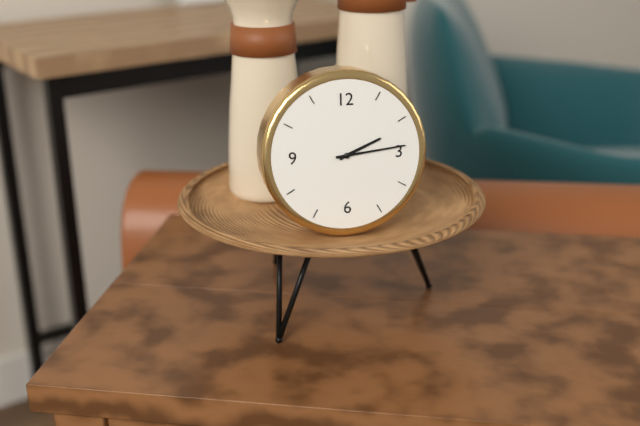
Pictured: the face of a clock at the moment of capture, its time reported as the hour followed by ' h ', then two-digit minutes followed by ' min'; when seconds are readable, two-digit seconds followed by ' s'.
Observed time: 2 h 14 min
